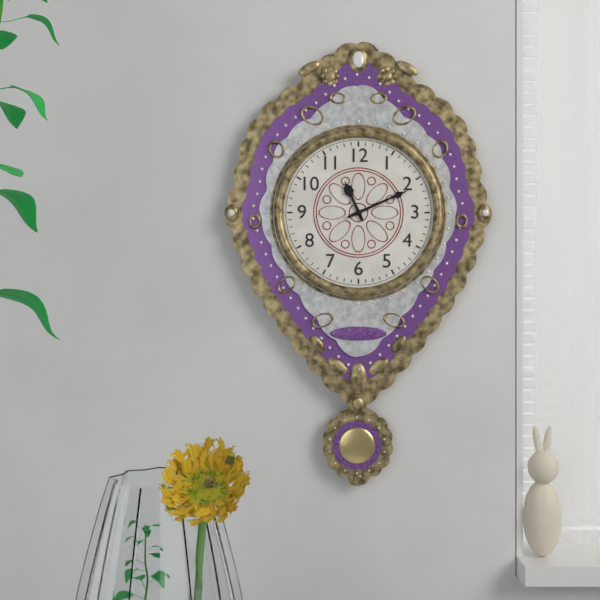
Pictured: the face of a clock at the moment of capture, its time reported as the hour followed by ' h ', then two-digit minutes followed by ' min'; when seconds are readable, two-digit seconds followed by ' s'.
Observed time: 11 h 11 min
